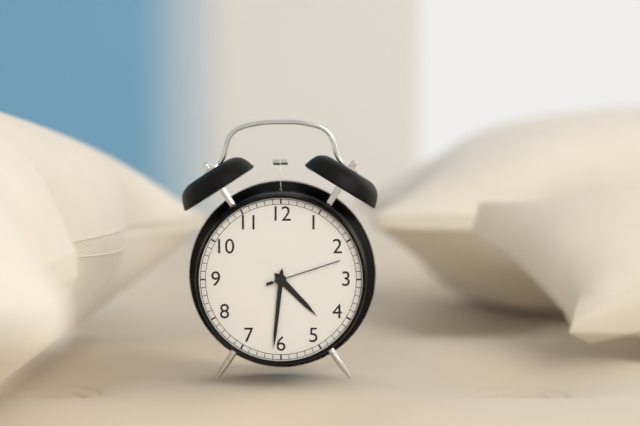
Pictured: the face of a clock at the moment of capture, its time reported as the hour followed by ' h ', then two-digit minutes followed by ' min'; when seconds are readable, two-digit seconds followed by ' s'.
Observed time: 4 h 31 min 12 s
